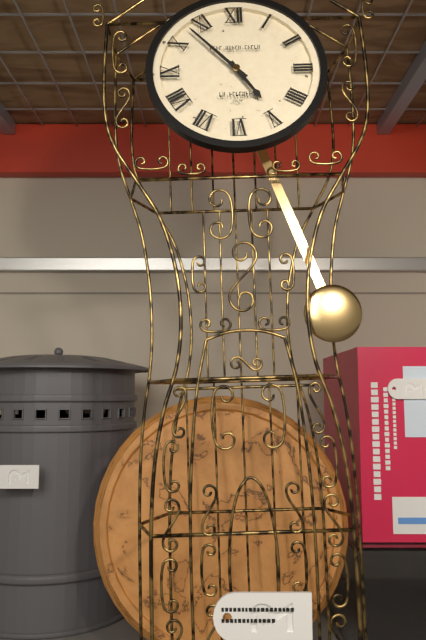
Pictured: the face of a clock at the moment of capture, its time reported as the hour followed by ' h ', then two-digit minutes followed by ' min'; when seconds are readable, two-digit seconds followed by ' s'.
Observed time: 4 h 53 min
